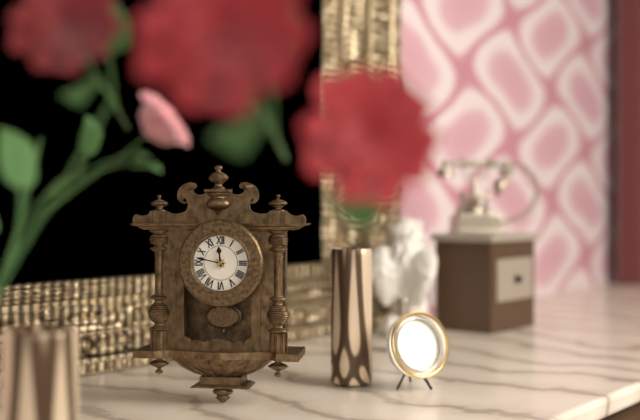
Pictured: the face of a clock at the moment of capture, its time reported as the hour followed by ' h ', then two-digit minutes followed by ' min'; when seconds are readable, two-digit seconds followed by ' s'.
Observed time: 11 h 47 min
